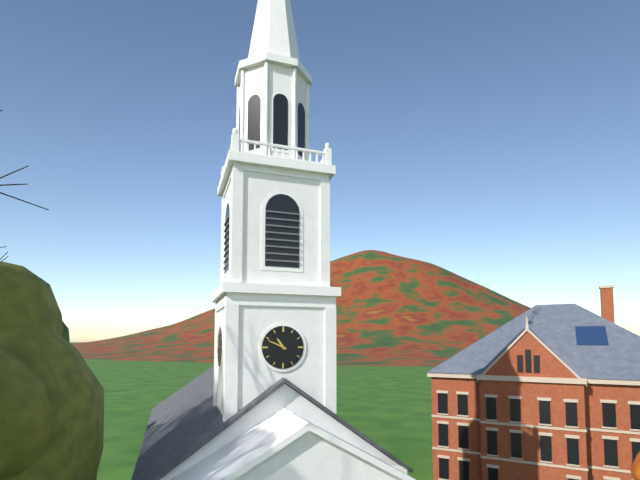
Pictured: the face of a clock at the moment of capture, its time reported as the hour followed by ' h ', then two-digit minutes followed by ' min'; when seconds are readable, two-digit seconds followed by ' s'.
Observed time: 10 h 49 min
